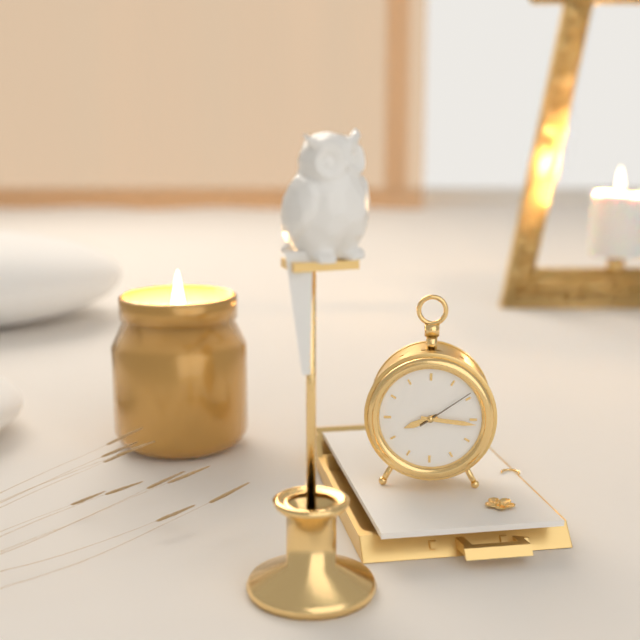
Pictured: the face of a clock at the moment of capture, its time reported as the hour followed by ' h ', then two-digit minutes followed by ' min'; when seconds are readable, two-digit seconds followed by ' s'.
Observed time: 8 h 16 min 09 s
